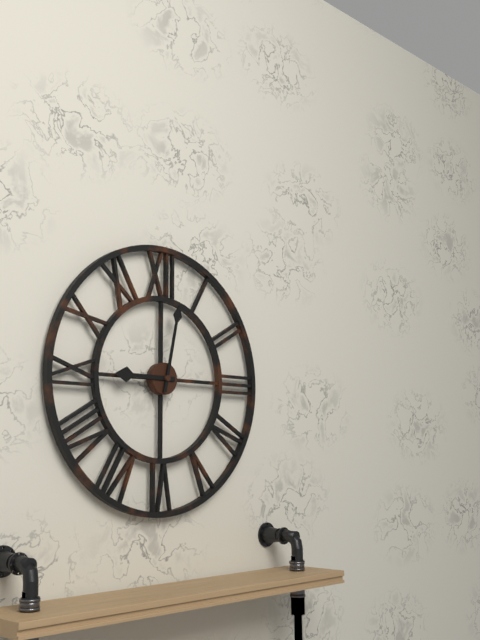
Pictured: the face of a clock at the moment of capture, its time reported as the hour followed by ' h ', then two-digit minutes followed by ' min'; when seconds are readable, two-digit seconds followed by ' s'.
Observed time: 9 h 02 min
